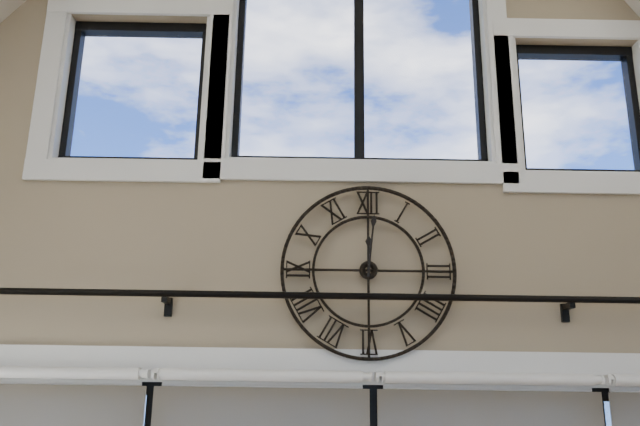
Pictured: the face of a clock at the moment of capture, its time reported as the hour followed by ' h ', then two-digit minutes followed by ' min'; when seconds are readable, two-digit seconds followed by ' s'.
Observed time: 12 h 01 min
